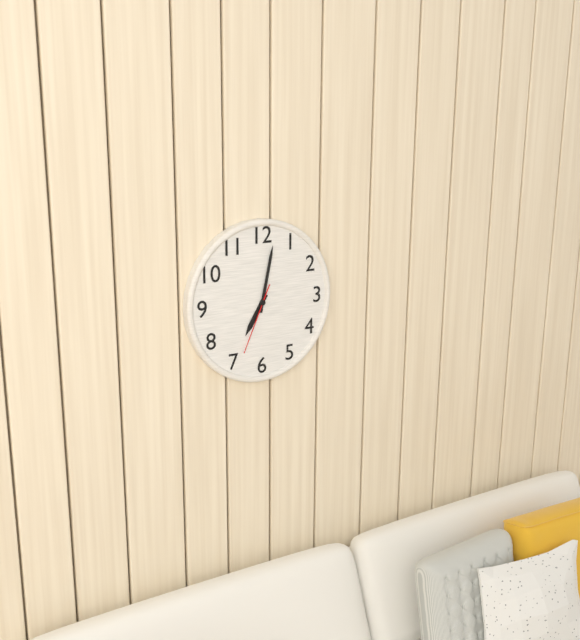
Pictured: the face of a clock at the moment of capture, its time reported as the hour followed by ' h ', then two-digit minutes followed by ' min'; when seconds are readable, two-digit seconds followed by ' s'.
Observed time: 7 h 02 min 34 s
